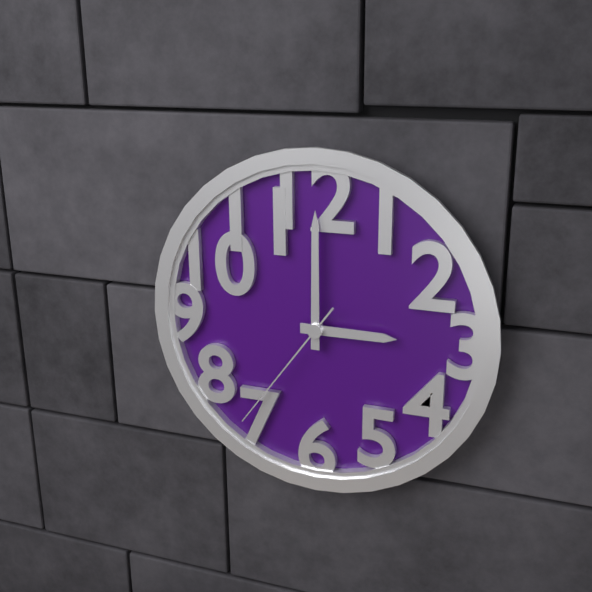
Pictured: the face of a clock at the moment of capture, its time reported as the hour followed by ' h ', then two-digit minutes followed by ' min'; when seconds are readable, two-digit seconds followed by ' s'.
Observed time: 3 h 00 min 36 s
